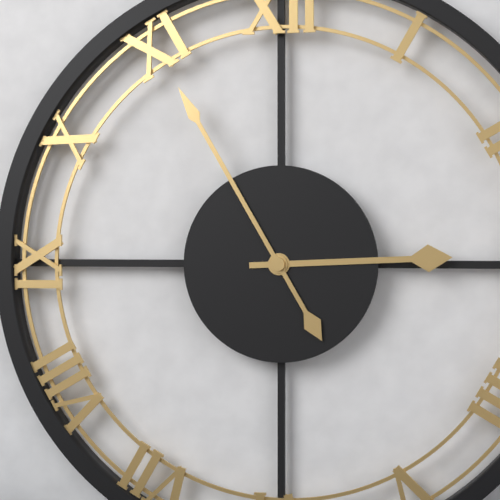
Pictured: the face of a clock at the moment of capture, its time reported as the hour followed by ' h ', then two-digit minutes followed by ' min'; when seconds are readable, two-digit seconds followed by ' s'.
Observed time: 2 h 55 min
